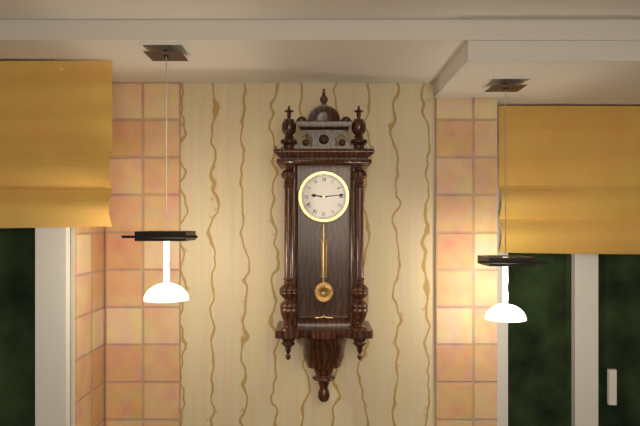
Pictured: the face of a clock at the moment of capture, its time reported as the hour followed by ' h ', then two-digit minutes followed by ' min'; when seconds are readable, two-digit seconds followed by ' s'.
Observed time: 9 h 14 min
